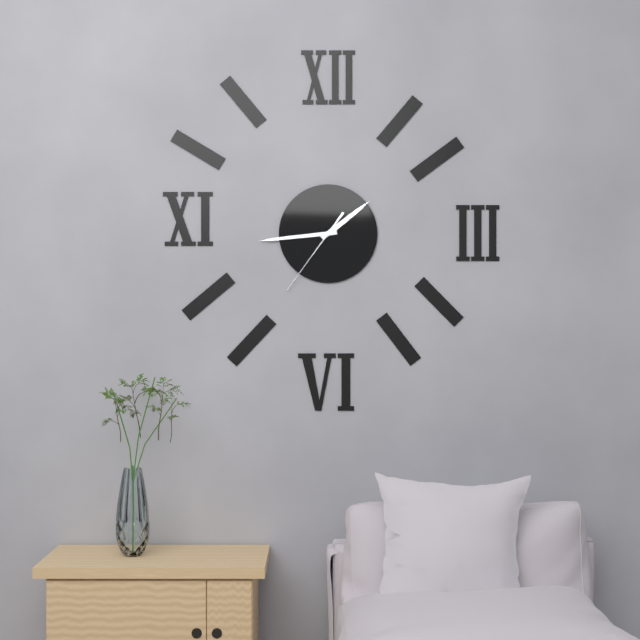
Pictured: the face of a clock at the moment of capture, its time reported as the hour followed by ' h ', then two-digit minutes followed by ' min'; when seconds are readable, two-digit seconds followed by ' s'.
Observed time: 1 h 44 min 36 s
